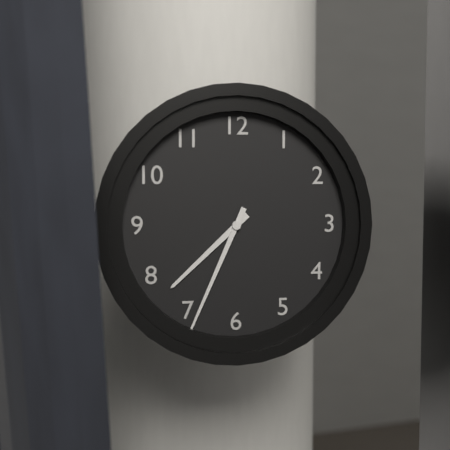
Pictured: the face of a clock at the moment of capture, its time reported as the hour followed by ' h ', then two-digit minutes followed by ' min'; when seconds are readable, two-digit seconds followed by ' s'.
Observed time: 7 h 34 min
